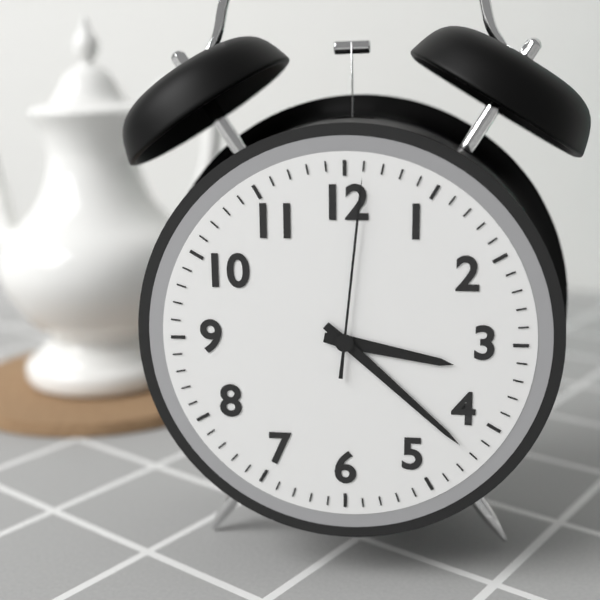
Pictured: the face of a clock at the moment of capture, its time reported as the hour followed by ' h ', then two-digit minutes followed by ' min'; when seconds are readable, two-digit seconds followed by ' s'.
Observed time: 3 h 22 min 01 s
